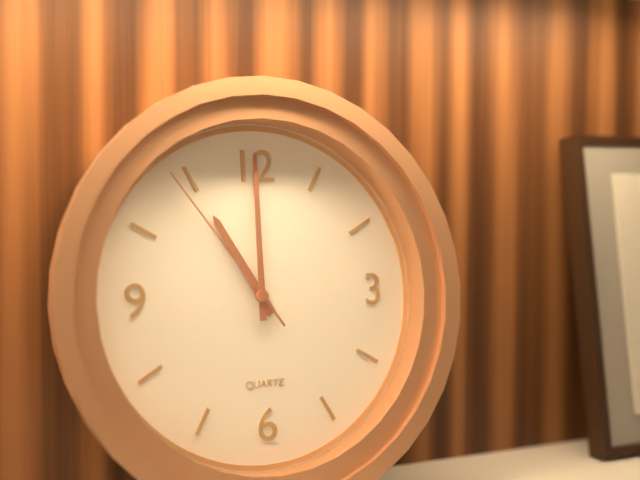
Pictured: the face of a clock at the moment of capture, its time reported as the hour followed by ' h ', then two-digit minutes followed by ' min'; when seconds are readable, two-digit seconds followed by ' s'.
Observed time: 11 h 00 min 54 s
